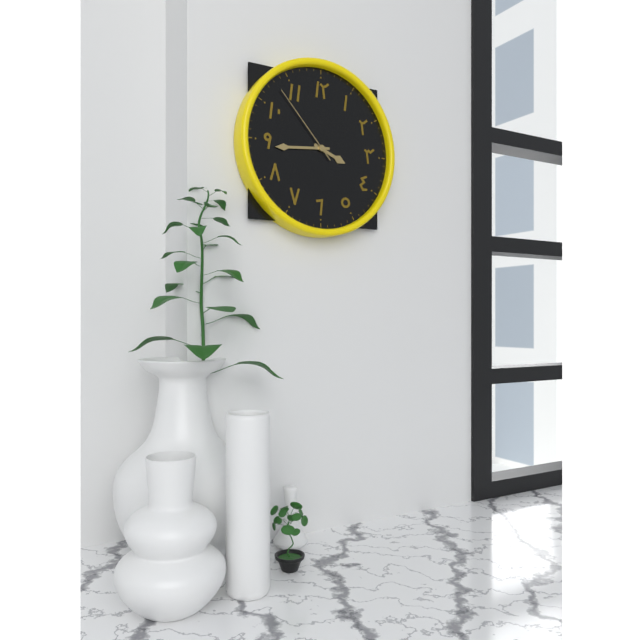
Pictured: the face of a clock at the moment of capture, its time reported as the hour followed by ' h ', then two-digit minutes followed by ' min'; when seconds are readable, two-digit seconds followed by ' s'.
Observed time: 3 h 44 min 53 s
